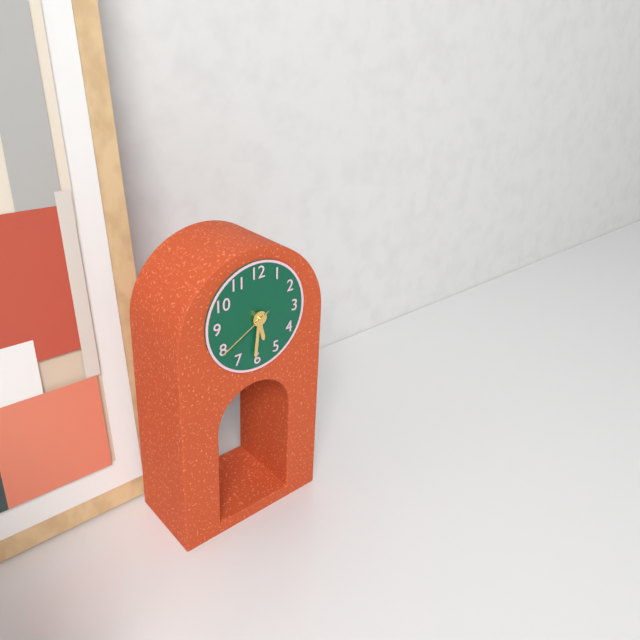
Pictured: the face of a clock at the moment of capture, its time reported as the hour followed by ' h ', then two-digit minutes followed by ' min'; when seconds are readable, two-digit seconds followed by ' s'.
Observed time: 5 h 31 min 40 s
